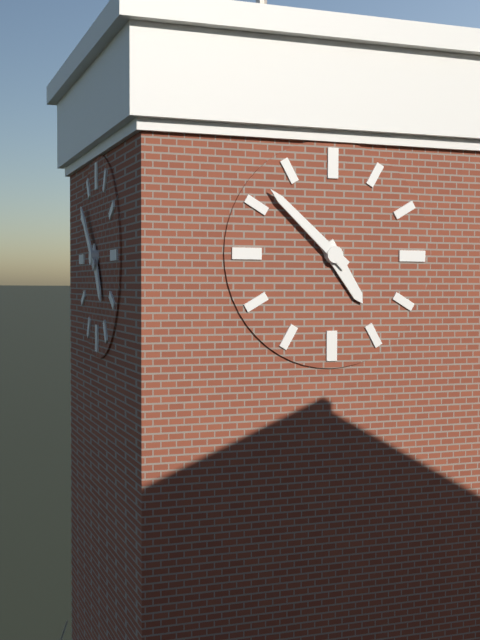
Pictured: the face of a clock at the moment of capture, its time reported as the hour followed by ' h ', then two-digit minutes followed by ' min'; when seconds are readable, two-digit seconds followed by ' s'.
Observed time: 4 h 52 min
